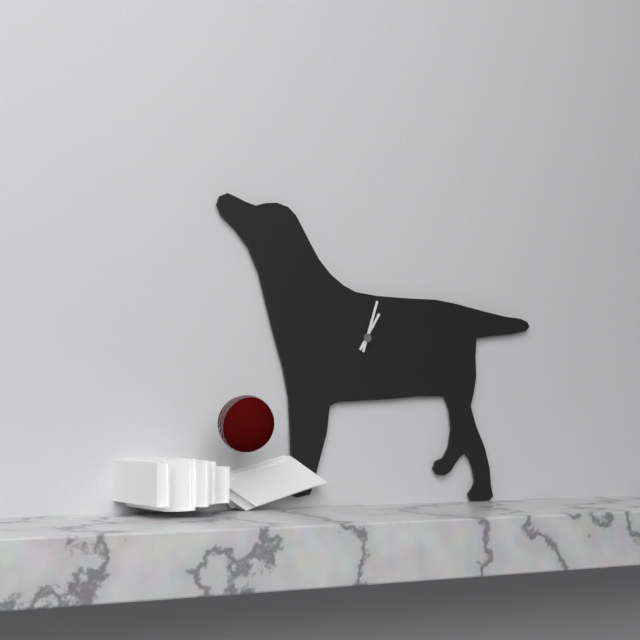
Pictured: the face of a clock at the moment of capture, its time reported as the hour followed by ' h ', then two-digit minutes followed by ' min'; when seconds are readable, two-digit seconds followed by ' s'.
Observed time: 1 h 03 min
